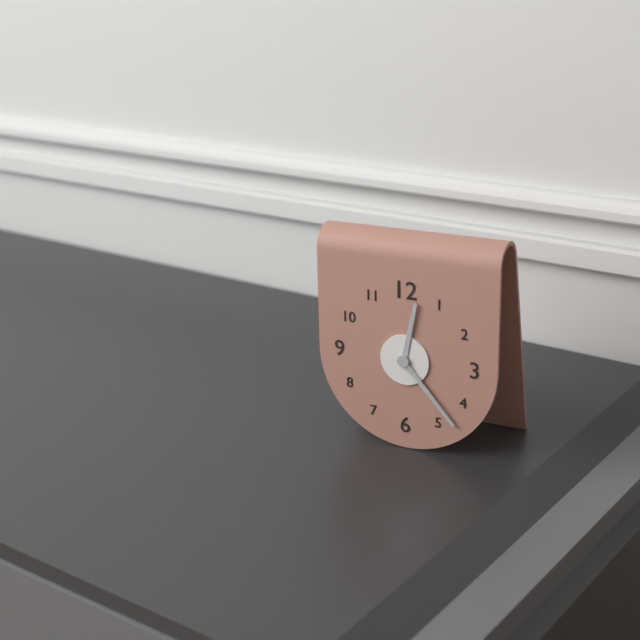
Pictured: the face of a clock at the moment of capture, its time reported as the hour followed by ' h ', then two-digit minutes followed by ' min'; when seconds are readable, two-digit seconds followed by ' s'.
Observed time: 12 h 23 min
